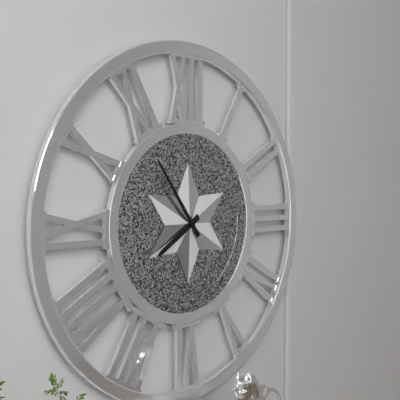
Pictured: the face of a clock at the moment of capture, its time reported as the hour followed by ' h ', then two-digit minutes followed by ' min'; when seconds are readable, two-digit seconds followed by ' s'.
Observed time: 7 h 54 min
